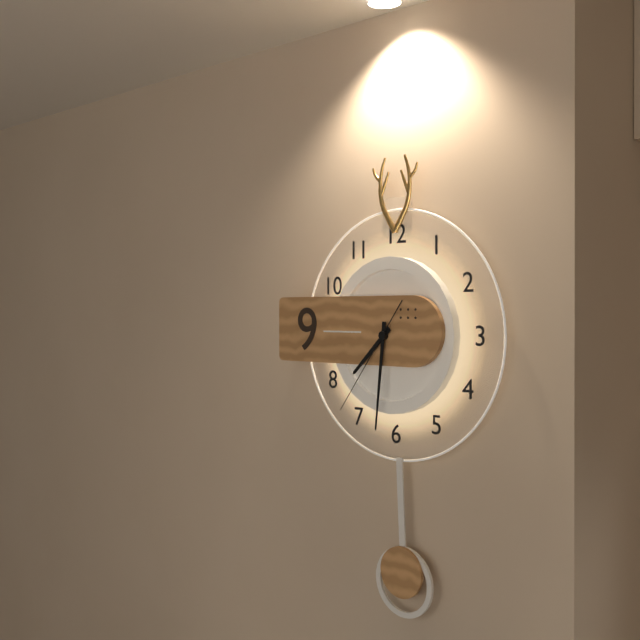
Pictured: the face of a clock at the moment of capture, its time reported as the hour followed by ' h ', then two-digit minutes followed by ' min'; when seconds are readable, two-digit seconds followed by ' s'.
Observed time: 7 h 31 min 36 s
